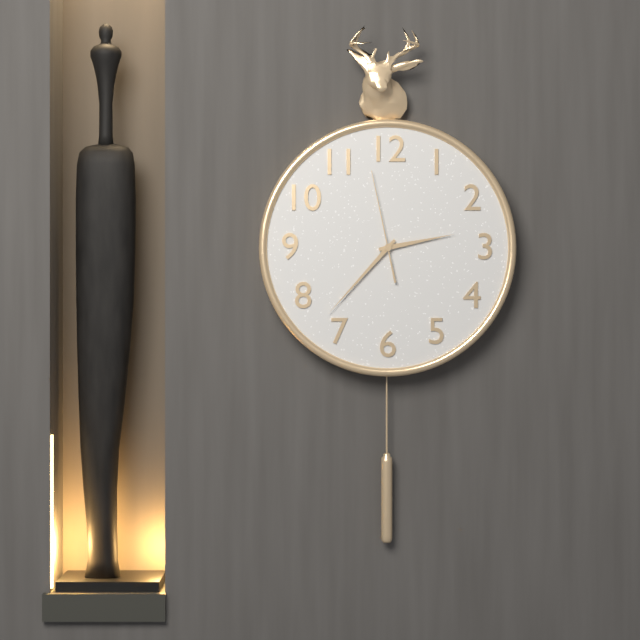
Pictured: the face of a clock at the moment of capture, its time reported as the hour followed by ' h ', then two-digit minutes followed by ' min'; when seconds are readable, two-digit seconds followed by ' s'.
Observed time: 2 h 37 min 58 s
